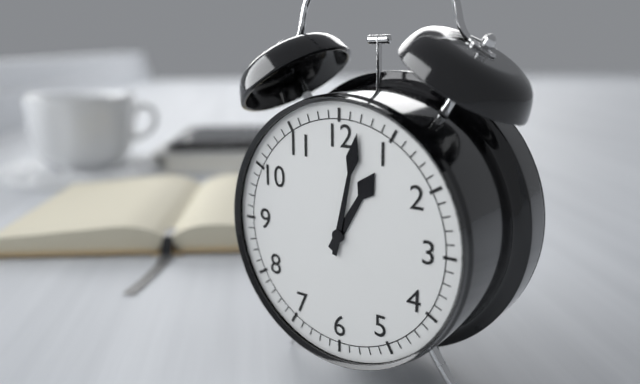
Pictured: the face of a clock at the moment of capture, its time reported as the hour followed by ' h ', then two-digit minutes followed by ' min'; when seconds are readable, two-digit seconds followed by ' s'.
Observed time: 1 h 02 min
